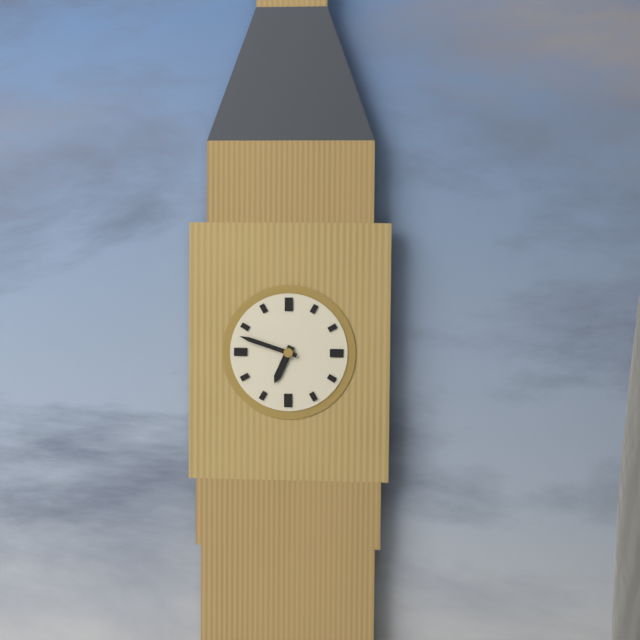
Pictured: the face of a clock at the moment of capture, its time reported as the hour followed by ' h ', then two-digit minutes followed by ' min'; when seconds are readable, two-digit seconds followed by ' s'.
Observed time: 6 h 48 min
